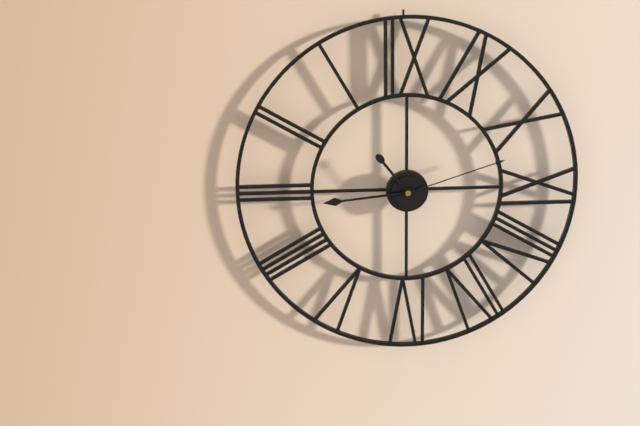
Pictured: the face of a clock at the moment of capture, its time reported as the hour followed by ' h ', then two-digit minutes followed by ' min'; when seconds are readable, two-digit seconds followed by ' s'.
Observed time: 10 h 44 min 12 s
